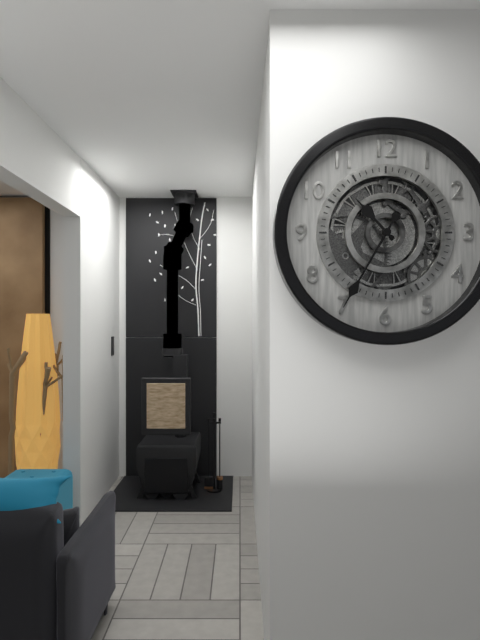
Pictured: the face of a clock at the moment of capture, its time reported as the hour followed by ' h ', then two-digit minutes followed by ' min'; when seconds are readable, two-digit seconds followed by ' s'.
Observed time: 10 h 35 min
